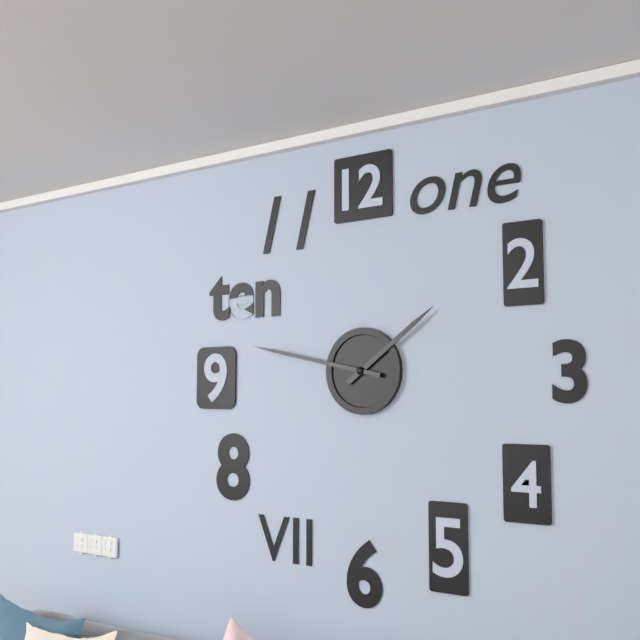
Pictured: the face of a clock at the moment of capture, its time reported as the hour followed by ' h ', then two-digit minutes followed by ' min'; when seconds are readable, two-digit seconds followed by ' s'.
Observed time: 1 h 47 min
